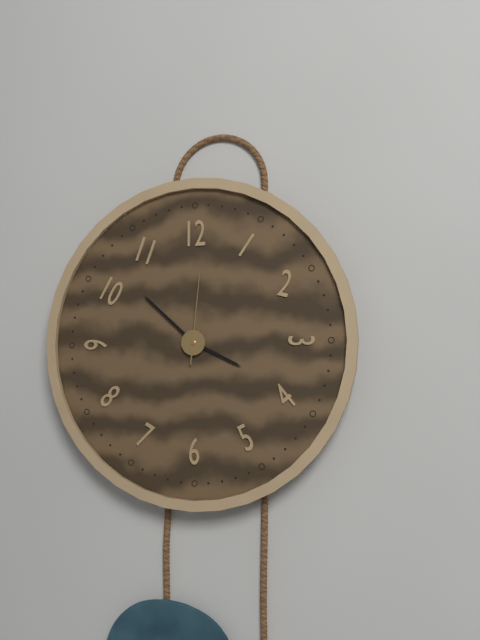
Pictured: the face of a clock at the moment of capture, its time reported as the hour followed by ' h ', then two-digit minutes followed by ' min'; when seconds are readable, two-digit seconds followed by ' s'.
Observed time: 3 h 52 min 01 s
